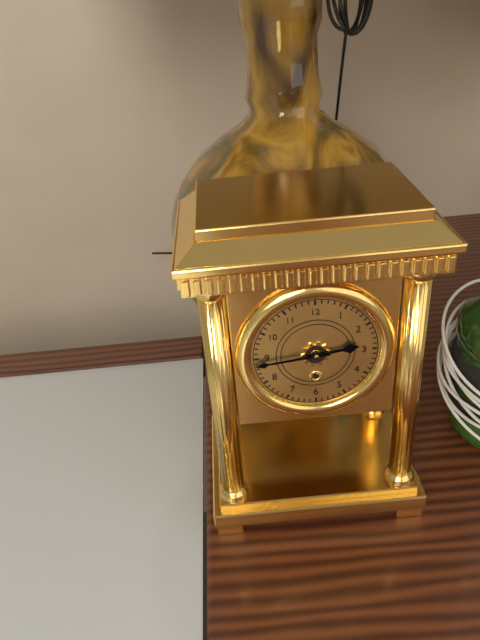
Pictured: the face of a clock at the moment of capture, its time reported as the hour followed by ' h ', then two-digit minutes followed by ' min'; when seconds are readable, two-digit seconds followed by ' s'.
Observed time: 2 h 44 min
